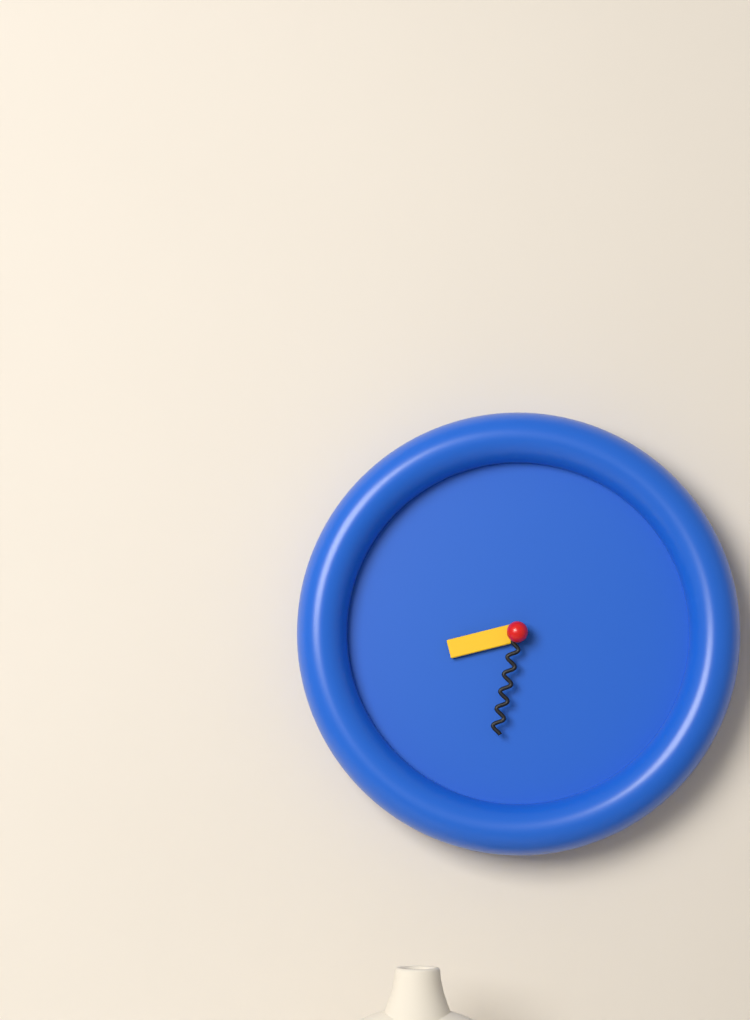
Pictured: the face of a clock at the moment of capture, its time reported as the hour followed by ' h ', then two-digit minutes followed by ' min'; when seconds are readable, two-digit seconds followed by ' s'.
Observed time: 8 h 32 min
